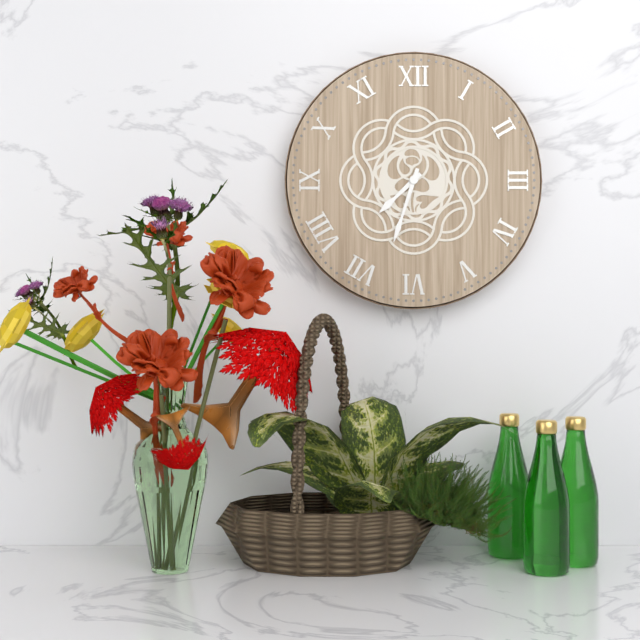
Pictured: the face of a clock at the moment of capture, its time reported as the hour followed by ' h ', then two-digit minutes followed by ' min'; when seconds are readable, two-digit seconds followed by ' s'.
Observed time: 7 h 33 min
